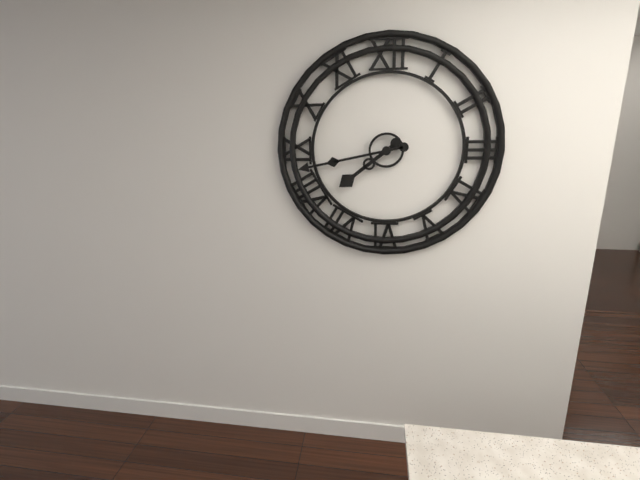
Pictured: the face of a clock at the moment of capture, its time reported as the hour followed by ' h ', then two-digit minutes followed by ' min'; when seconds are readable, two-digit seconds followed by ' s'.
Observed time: 7 h 43 min
